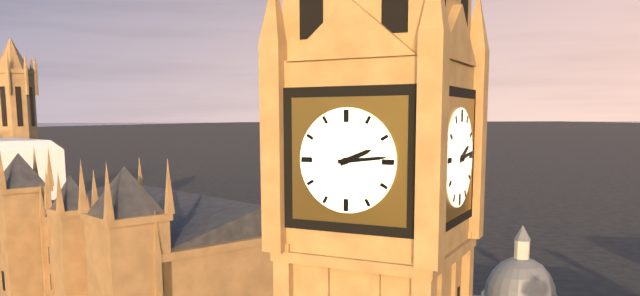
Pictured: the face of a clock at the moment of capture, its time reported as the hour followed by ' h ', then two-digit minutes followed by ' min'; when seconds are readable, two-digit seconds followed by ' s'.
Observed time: 2 h 14 min
